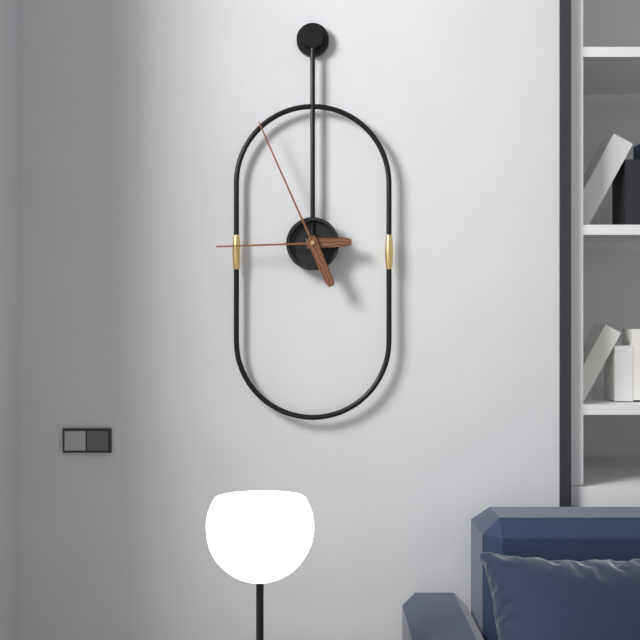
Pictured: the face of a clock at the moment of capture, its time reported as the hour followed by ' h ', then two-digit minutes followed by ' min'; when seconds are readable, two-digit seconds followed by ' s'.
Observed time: 8 h 56 min
